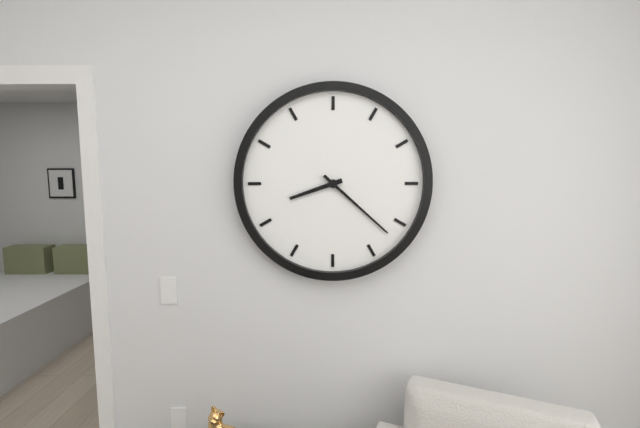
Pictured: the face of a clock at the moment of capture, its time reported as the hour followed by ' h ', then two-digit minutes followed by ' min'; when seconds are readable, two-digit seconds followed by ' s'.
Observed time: 8 h 22 min
